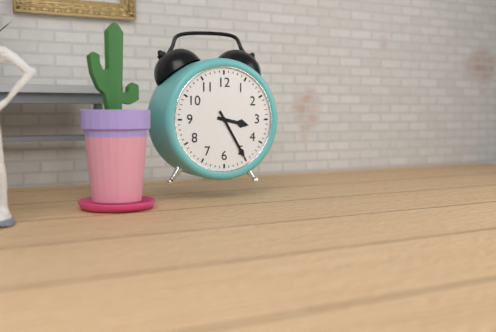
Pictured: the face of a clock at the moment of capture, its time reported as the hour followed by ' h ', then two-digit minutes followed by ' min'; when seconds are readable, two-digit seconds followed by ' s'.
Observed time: 3 h 25 min
